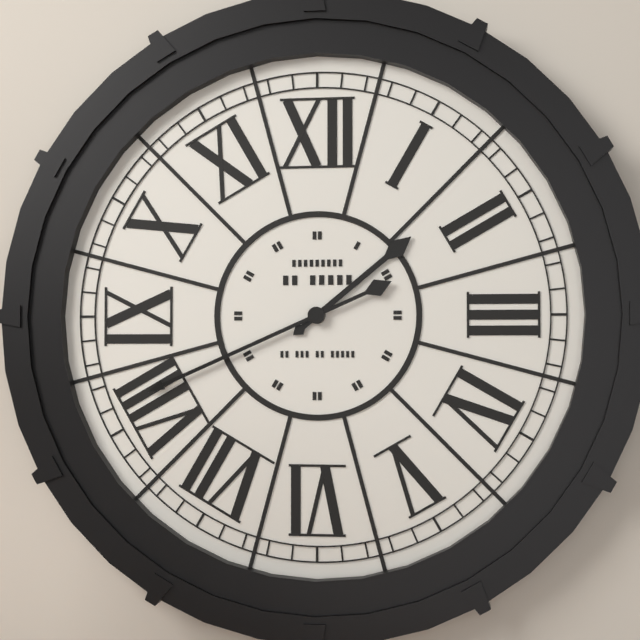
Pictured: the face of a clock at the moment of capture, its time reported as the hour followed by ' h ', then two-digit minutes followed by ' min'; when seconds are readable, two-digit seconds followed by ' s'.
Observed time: 1 h 41 min
